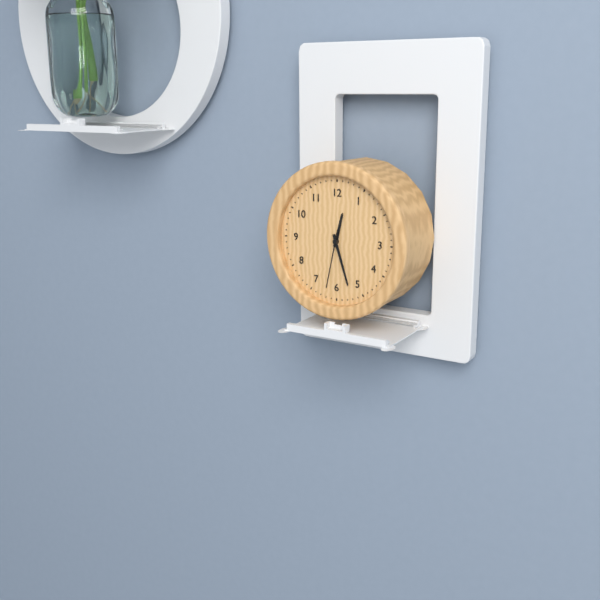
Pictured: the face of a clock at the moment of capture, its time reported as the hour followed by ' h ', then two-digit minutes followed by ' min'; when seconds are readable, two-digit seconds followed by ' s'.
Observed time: 12 h 27 min 32 s
